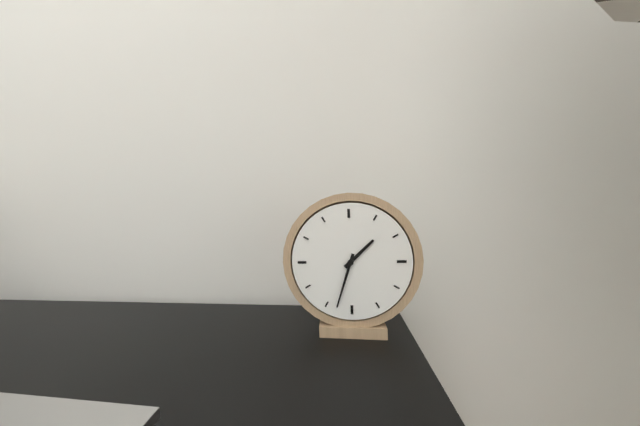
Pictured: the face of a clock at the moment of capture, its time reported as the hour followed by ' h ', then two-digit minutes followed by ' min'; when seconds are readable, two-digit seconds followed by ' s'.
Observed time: 1 h 33 min
